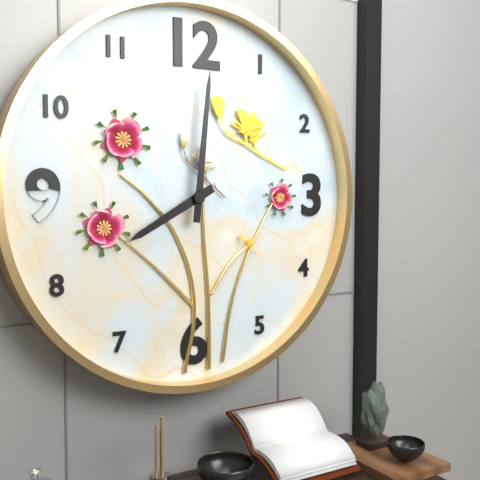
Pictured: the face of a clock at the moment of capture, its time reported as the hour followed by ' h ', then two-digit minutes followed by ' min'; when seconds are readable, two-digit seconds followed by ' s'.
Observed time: 8 h 01 min
